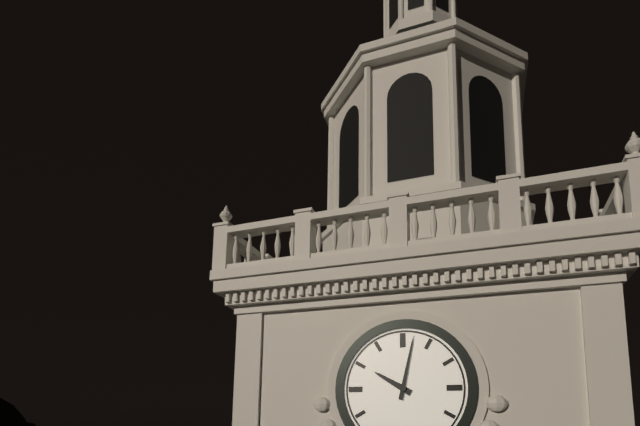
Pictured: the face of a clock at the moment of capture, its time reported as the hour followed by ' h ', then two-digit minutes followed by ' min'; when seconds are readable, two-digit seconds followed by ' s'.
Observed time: 10 h 02 min
